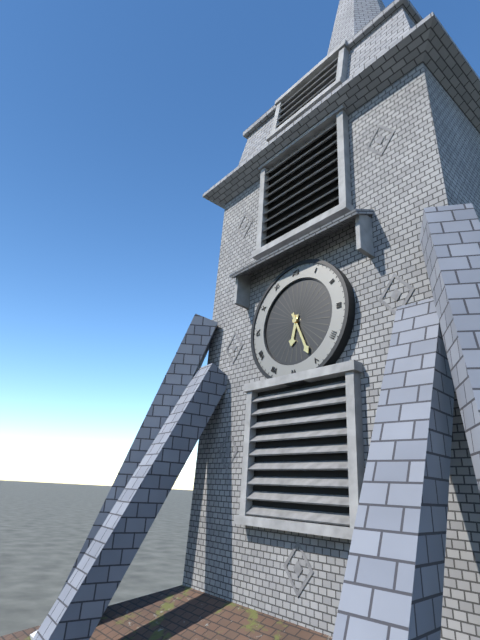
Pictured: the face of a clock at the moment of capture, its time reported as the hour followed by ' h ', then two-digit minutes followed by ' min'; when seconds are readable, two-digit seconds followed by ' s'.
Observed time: 6 h 26 min
